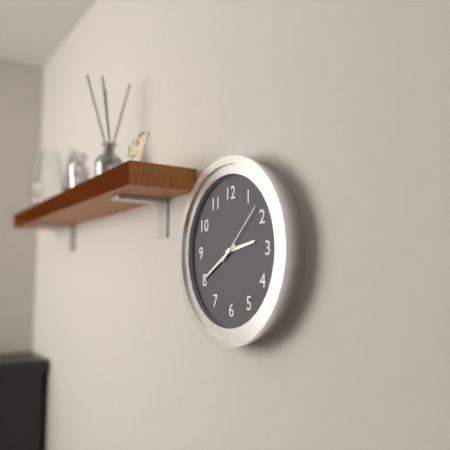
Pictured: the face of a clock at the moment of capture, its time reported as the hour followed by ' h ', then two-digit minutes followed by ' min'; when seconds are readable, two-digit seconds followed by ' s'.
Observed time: 2 h 40 min 08 s
